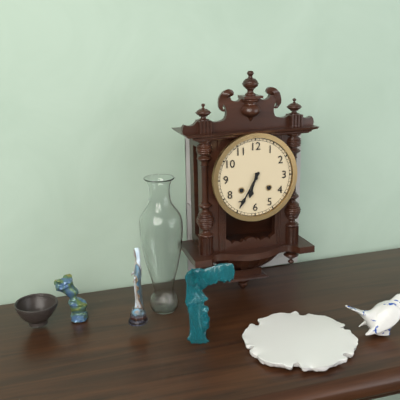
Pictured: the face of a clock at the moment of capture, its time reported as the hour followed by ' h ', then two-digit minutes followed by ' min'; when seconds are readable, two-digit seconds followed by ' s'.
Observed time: 6 h 35 min
